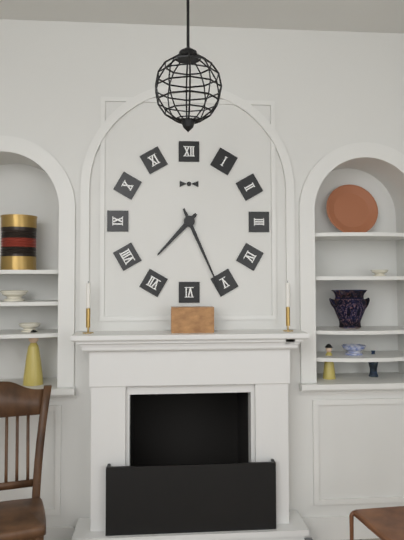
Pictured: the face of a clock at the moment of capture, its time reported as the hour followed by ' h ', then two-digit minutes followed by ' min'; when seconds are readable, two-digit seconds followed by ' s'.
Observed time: 7 h 26 min
